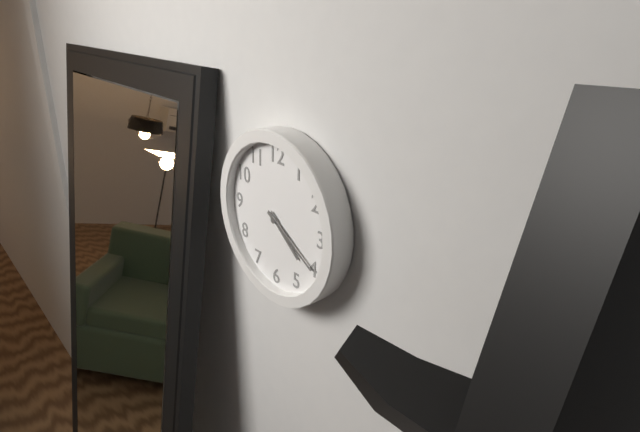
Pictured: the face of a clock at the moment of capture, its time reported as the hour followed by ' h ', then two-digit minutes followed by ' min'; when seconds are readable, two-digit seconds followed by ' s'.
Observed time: 4 h 20 min
